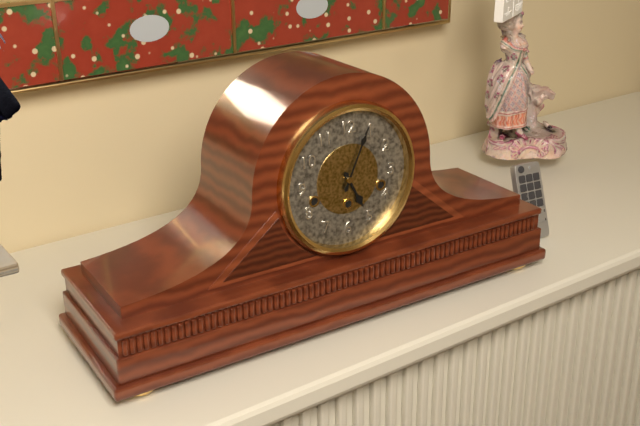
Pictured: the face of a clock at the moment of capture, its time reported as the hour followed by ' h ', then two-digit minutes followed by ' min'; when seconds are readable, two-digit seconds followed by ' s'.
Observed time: 5 h 04 min
